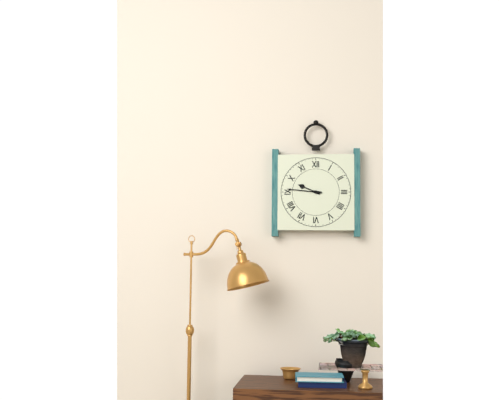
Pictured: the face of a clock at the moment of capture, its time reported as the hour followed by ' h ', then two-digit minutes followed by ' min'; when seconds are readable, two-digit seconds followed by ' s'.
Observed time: 9 h 46 min
